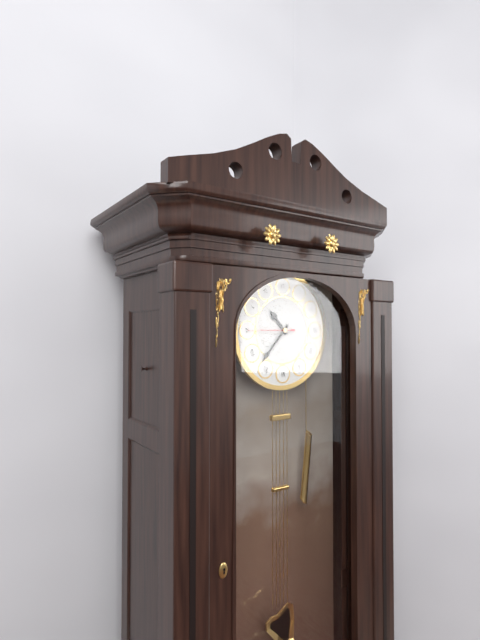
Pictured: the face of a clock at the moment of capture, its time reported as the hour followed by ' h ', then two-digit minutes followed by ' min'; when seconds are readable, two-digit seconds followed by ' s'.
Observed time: 10 h 37 min
